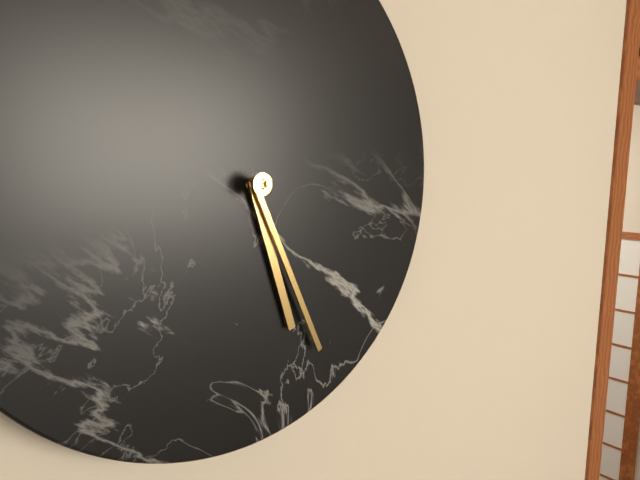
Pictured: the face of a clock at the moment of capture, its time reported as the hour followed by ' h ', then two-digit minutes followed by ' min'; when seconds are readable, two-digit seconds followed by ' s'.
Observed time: 5 h 26 min
